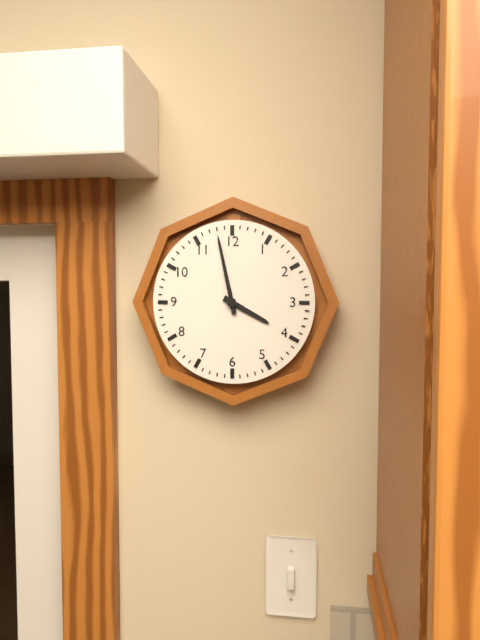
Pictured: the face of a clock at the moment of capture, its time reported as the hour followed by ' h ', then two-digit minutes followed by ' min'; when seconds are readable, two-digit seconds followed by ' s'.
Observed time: 3 h 58 min
